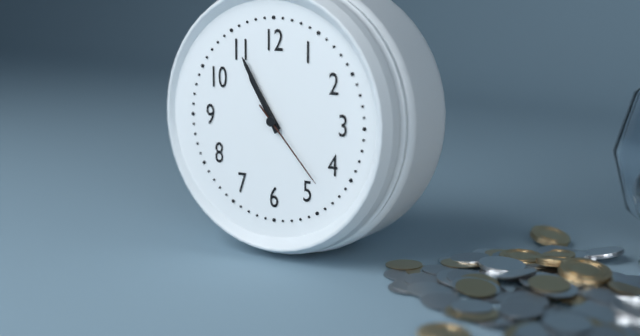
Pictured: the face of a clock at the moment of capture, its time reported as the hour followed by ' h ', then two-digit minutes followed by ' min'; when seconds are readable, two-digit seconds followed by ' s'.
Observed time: 10 h 55 min 23 s
